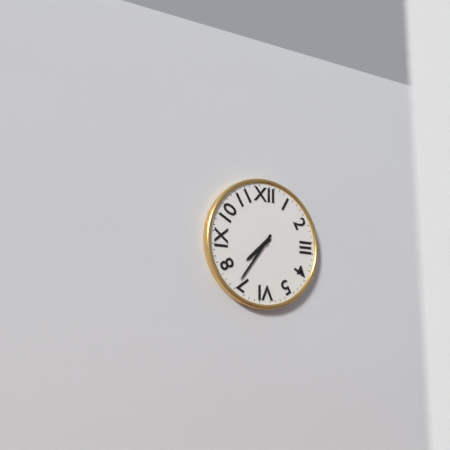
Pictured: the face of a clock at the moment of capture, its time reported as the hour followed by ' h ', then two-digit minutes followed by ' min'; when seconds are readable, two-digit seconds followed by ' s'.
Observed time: 7 h 36 min
